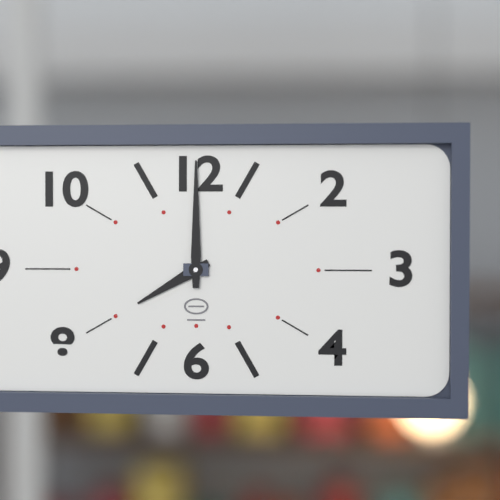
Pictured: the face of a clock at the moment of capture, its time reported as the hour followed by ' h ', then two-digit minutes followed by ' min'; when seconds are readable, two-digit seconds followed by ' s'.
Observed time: 8 h 00 min
